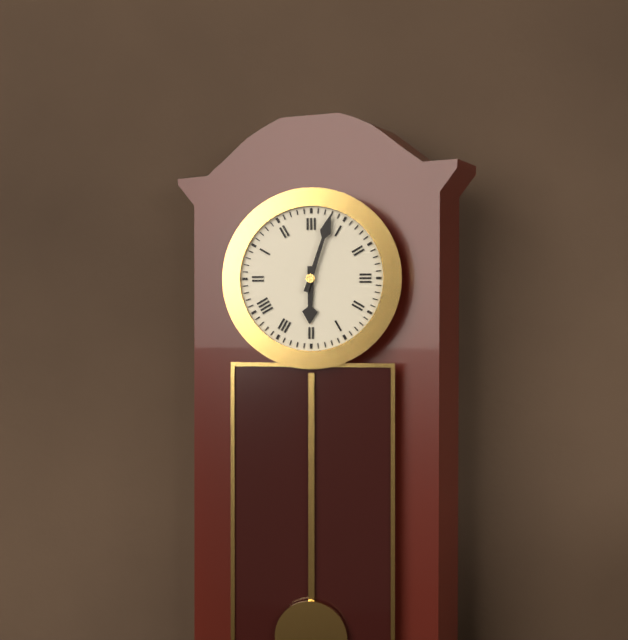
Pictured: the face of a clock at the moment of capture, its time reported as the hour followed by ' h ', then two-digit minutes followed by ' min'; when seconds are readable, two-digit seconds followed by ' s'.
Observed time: 6 h 03 min
